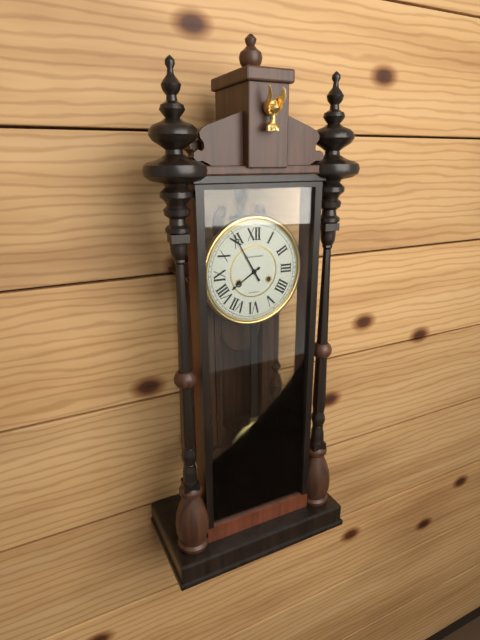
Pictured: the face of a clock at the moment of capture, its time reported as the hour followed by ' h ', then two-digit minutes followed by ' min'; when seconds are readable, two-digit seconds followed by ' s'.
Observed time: 7 h 55 min
